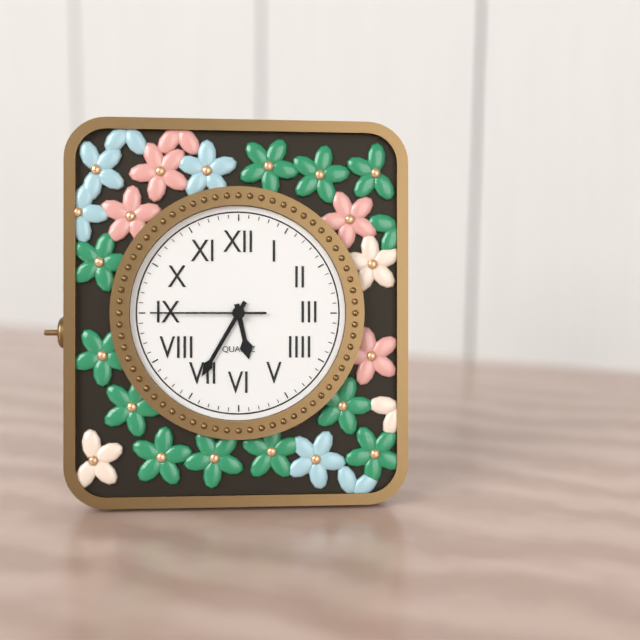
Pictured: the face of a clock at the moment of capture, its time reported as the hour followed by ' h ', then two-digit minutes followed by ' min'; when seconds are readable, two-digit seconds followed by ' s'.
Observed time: 5 h 35 min 45 s
